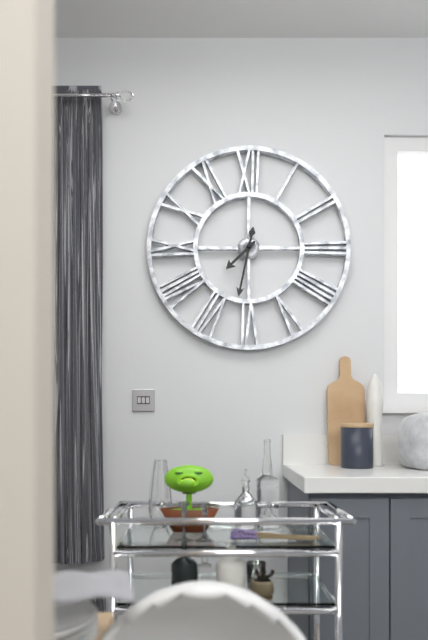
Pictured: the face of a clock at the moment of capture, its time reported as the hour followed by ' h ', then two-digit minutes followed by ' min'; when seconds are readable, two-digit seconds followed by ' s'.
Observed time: 7 h 32 min
